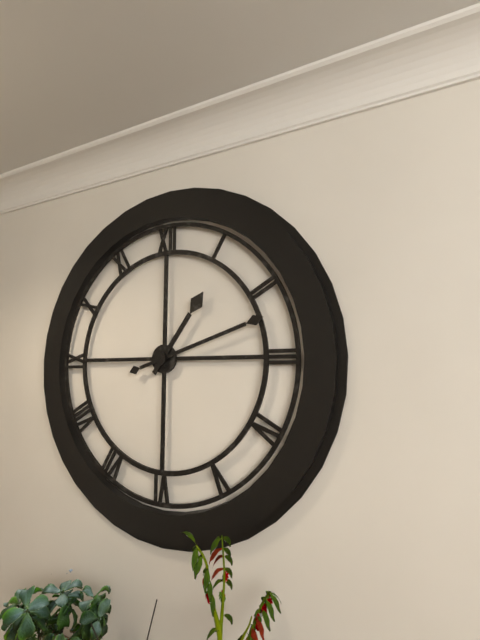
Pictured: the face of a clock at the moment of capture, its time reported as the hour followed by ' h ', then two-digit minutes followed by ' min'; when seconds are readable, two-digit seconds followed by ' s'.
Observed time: 1 h 12 min
